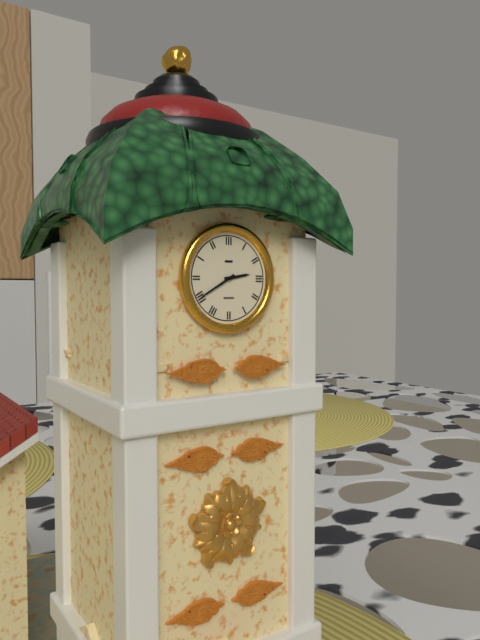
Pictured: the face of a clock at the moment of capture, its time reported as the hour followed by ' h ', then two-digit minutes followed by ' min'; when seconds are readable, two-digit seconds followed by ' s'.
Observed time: 2 h 40 min
